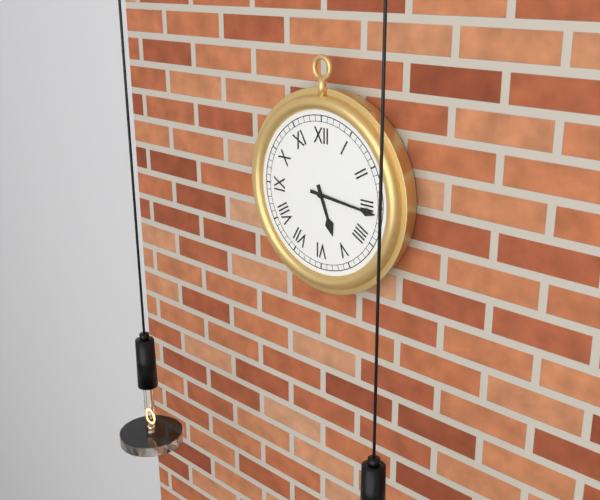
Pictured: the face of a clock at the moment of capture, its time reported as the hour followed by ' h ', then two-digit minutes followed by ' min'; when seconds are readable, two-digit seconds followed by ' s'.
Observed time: 5 h 16 min
